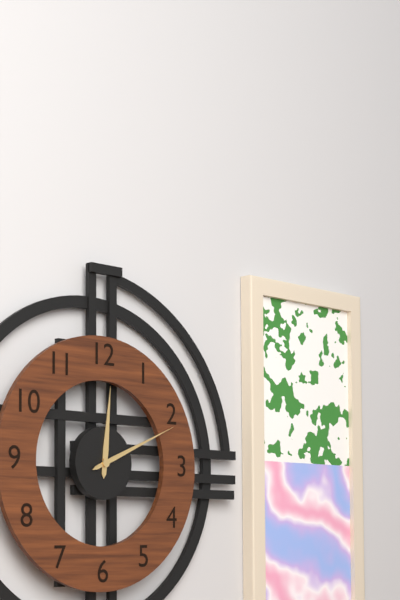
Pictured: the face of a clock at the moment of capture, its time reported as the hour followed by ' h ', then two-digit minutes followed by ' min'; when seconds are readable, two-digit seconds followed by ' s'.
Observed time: 12 h 11 min
